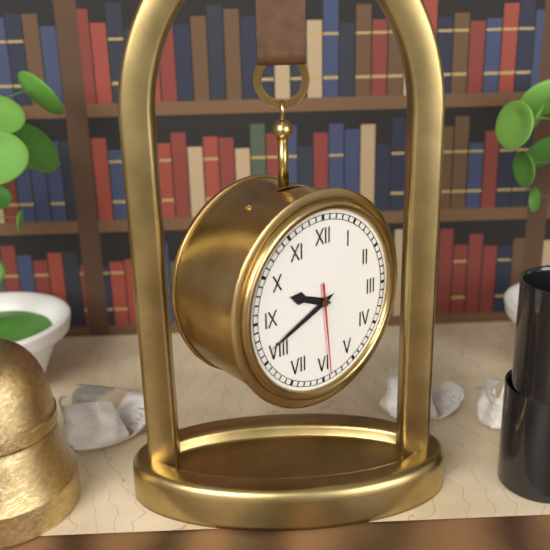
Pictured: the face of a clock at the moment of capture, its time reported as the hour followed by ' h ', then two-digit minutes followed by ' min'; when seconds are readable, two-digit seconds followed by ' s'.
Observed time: 9 h 41 min 29 s
